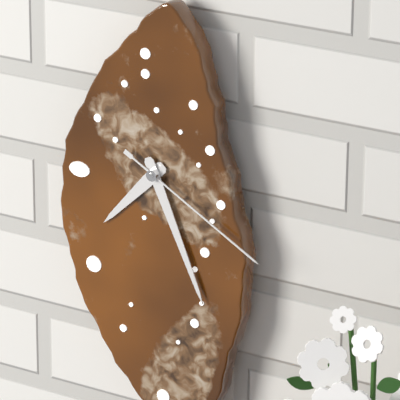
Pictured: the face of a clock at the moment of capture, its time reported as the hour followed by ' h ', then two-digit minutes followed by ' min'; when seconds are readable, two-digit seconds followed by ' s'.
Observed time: 7 h 26 min 20 s
